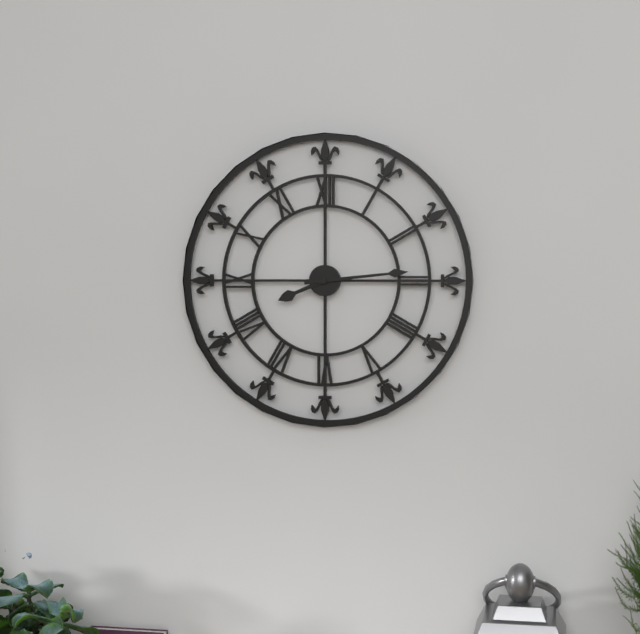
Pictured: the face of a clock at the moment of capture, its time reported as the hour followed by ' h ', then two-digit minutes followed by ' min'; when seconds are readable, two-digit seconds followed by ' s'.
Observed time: 8 h 14 min
